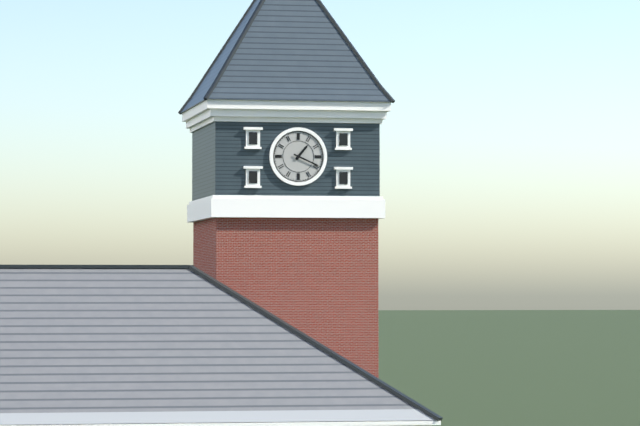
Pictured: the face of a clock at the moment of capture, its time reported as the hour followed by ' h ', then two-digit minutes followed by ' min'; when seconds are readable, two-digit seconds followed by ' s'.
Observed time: 1 h 19 min
